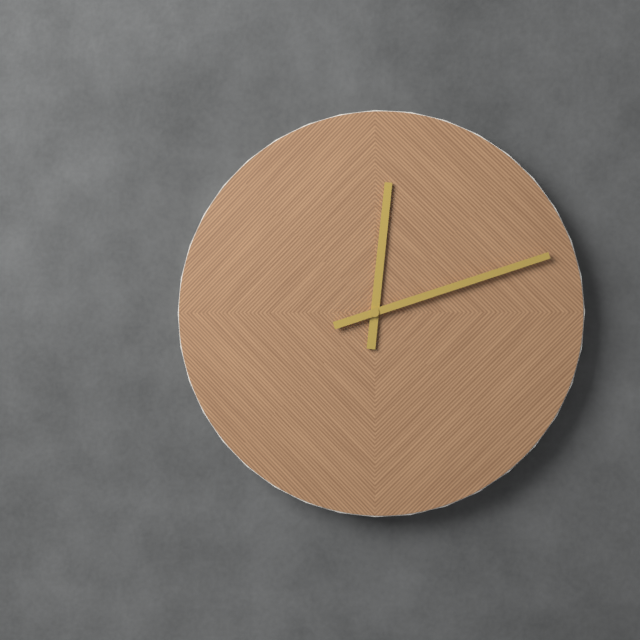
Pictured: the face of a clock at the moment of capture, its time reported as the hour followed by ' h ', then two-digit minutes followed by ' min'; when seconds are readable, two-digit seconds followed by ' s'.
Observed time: 12 h 12 min
